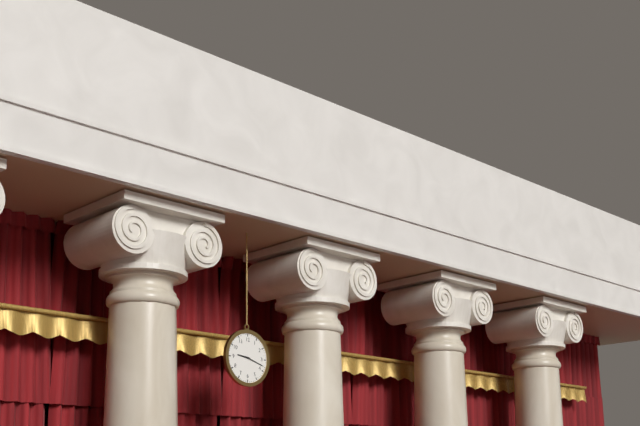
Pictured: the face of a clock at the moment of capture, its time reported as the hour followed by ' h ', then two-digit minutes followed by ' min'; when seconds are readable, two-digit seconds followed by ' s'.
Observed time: 9 h 18 min
